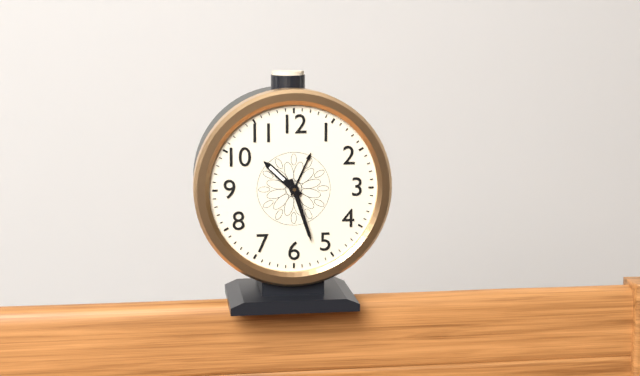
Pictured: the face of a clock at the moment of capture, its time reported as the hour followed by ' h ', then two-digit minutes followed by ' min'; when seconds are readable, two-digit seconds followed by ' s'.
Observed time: 10 h 27 min
